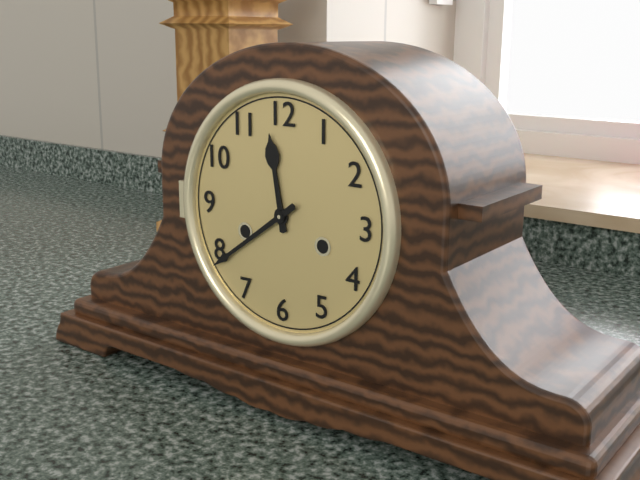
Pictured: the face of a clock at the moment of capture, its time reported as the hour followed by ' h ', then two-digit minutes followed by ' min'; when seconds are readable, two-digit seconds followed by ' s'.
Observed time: 11 h 39 min
